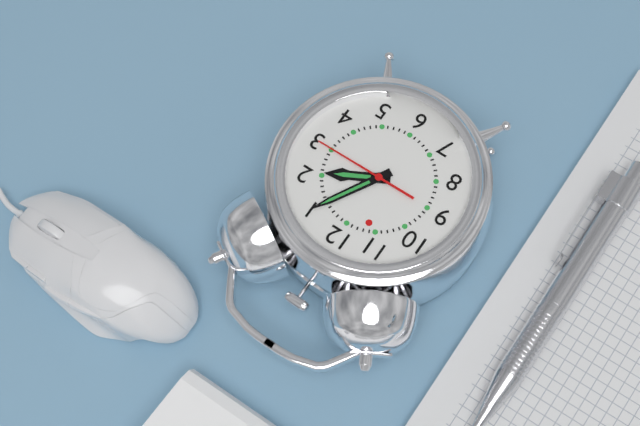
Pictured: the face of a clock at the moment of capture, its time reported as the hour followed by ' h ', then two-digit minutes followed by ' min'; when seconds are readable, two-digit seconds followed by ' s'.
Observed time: 2 h 05 min 15 s
